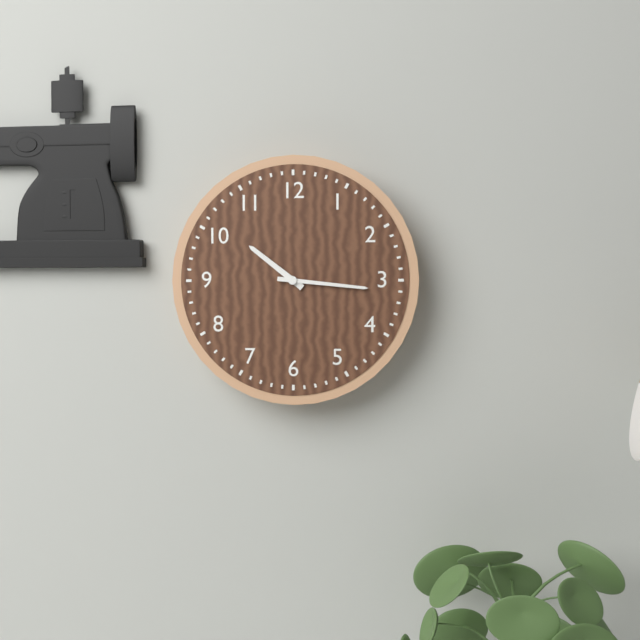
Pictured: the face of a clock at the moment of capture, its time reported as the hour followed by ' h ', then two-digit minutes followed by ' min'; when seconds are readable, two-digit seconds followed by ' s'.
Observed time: 10 h 16 min
